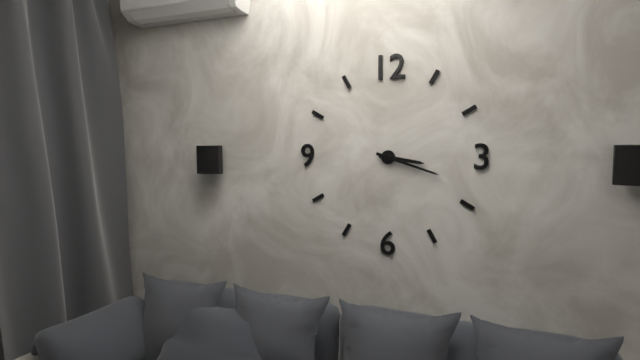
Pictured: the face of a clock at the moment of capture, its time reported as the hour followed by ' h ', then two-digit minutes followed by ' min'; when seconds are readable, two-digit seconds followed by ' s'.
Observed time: 3 h 18 min
